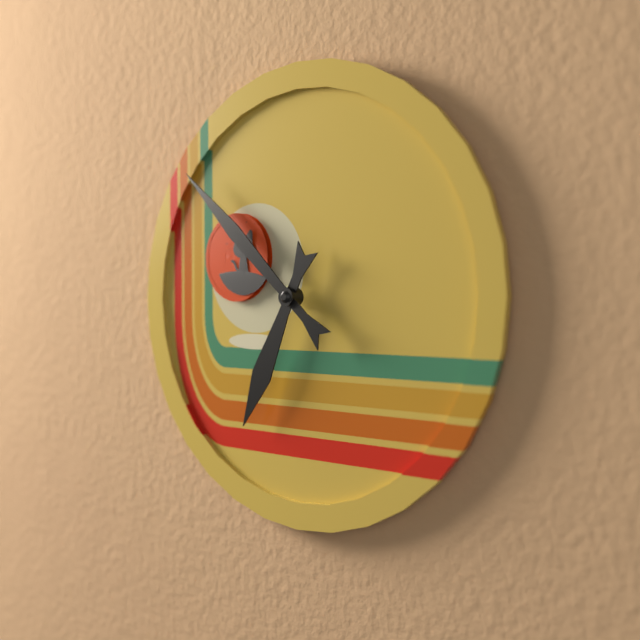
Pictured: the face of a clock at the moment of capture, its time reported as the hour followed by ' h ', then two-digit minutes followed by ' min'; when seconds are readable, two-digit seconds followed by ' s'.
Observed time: 6 h 52 min
